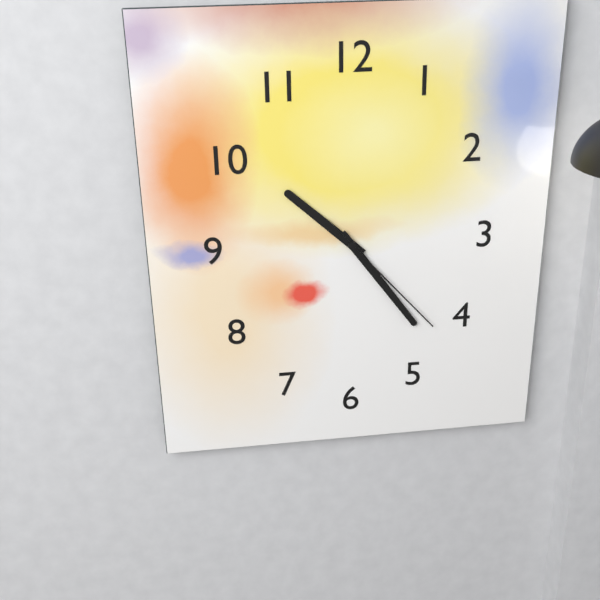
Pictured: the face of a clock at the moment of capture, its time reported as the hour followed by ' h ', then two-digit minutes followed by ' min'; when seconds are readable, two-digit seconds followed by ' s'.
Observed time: 10 h 24 min 23 s
